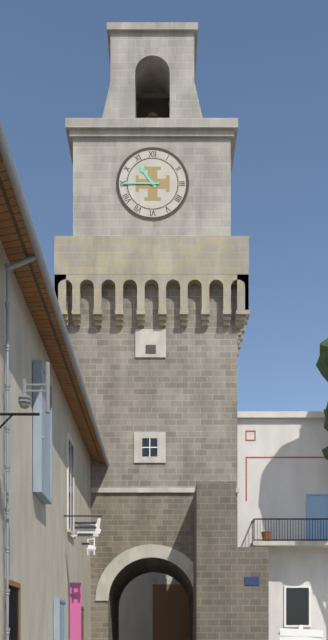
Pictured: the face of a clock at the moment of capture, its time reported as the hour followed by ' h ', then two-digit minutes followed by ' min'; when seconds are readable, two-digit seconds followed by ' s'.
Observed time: 10 h 45 min
